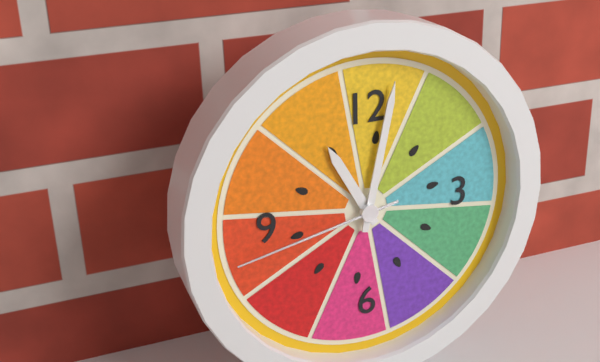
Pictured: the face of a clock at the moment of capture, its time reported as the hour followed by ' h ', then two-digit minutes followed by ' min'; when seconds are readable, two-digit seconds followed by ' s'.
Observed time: 11 h 02 min 43 s
